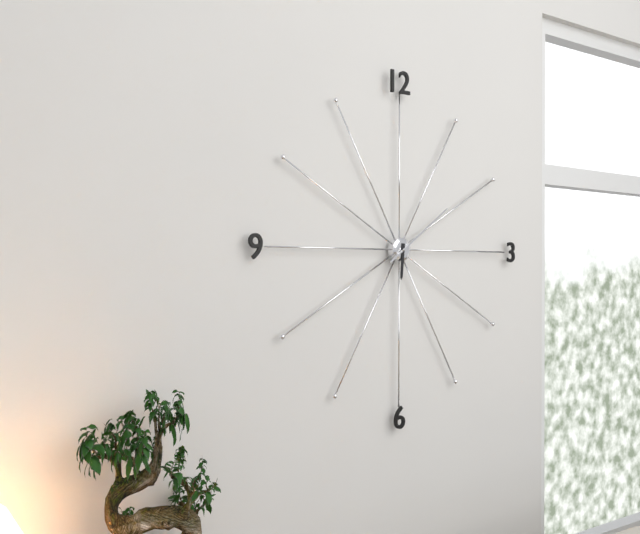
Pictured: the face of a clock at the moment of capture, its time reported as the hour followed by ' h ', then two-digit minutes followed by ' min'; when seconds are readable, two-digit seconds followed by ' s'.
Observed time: 6 h 09 min
